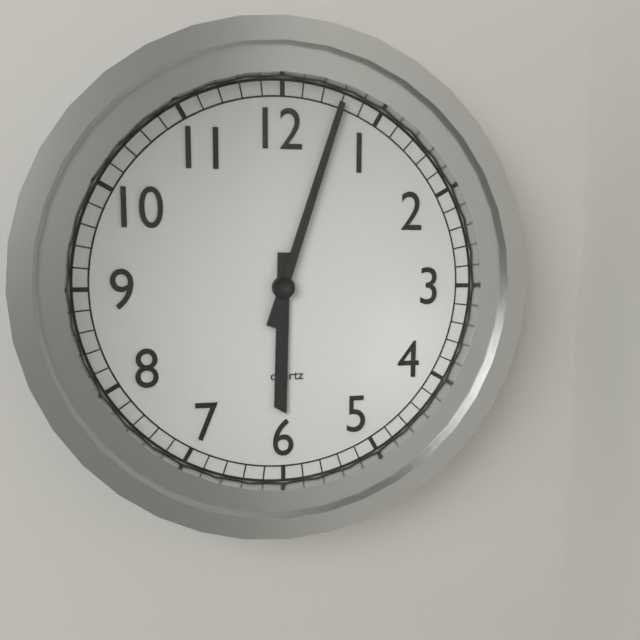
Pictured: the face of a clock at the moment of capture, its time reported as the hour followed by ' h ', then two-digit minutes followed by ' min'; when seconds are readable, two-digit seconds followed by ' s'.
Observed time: 6 h 03 min
